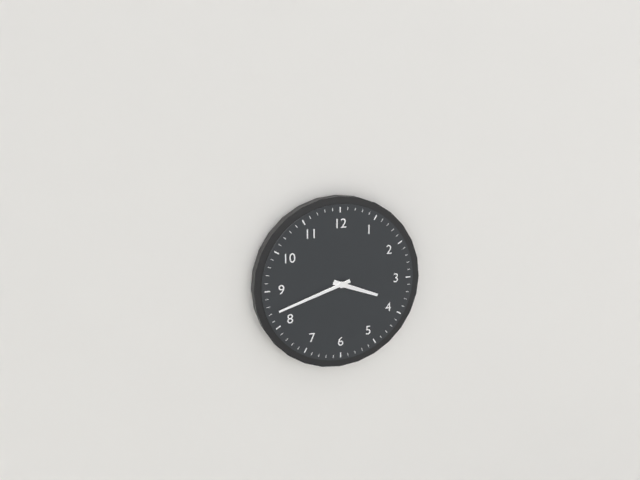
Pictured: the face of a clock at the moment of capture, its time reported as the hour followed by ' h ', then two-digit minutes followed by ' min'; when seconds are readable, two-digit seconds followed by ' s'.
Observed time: 3 h 42 min
